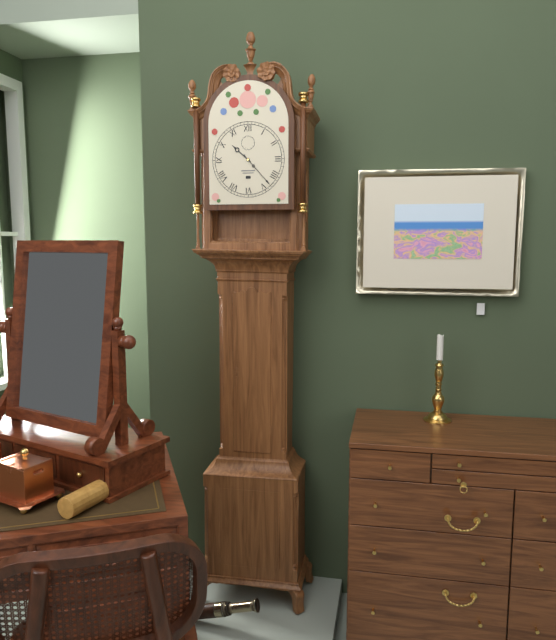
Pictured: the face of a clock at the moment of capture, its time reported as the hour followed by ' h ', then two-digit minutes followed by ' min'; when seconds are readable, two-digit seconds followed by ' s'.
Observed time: 10 h 23 min
